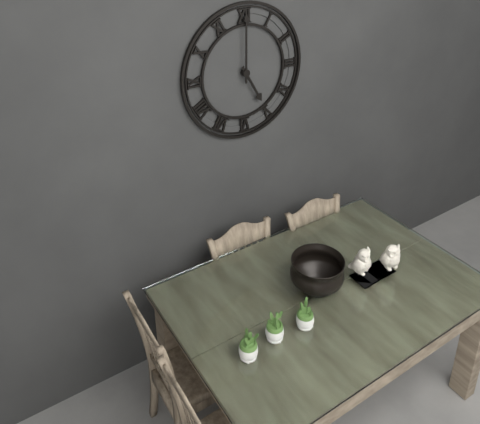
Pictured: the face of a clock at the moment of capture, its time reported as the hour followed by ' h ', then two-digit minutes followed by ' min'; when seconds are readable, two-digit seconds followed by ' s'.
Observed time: 5 h 00 min
